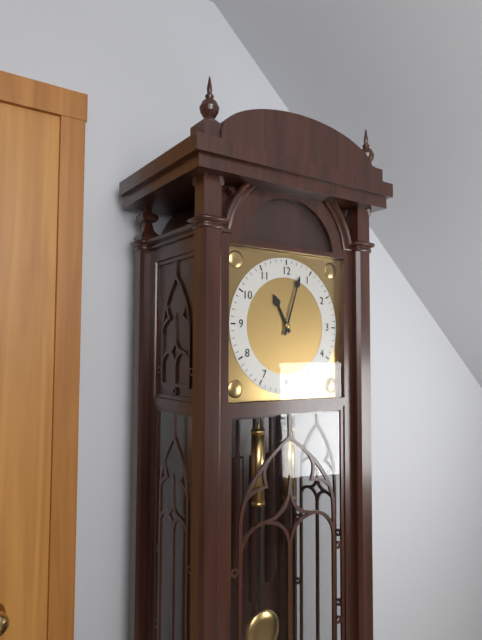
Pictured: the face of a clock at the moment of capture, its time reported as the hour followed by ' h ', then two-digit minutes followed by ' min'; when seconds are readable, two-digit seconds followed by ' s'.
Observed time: 11 h 03 min
